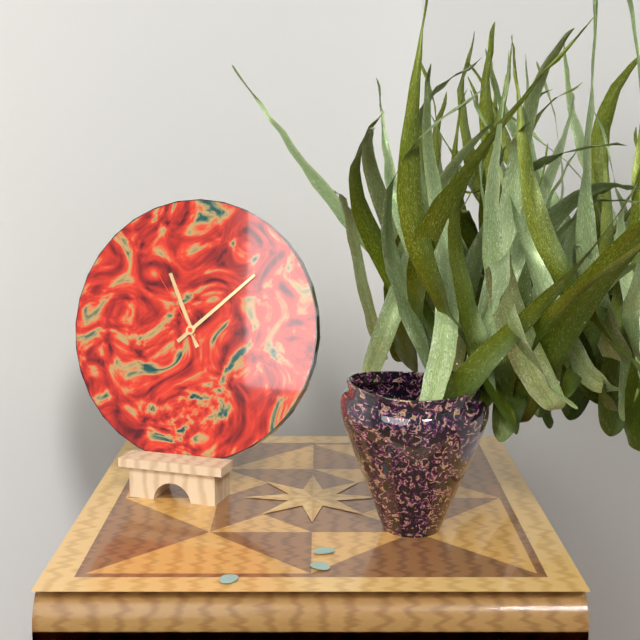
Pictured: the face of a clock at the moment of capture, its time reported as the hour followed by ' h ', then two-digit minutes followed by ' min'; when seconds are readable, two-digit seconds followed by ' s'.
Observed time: 11 h 08 min 54 s
